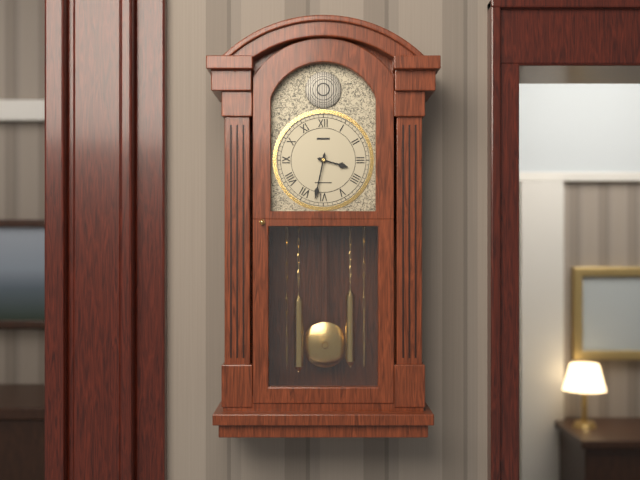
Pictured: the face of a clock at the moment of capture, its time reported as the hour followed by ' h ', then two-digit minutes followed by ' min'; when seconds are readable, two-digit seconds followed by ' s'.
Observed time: 3 h 32 min
